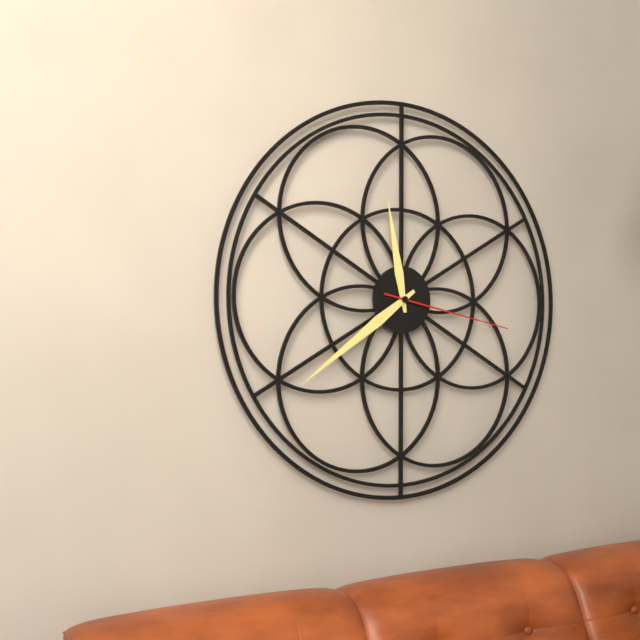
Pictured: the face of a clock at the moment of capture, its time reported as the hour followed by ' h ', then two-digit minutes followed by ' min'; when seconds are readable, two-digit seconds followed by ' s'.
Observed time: 11 h 39 min 17 s
